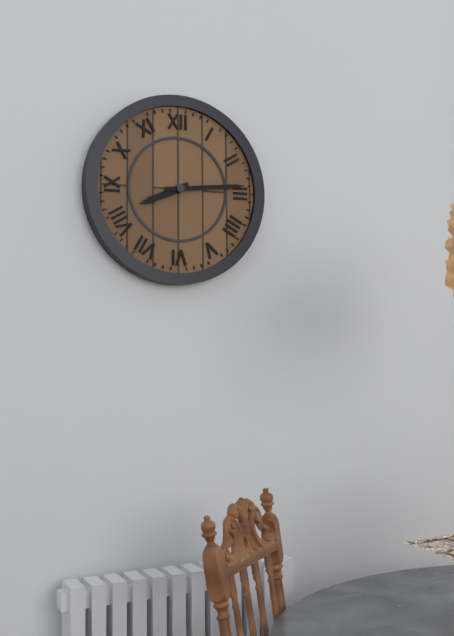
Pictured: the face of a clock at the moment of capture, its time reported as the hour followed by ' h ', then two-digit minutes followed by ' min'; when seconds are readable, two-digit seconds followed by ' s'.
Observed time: 8 h 14 min
